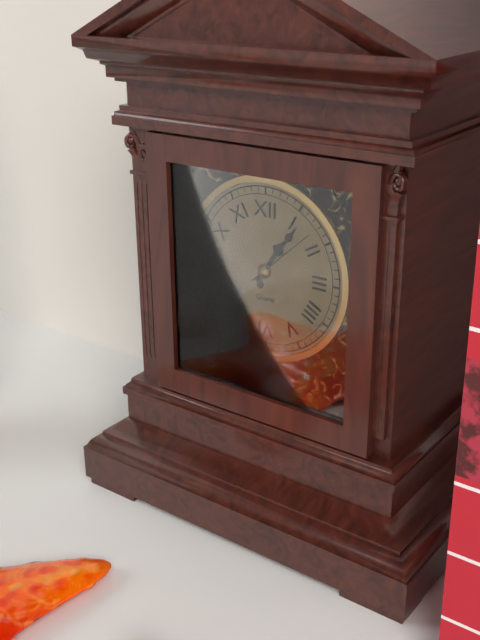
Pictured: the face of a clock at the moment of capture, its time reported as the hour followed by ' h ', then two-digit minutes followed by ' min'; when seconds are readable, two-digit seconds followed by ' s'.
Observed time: 1 h 06 min 08 s
